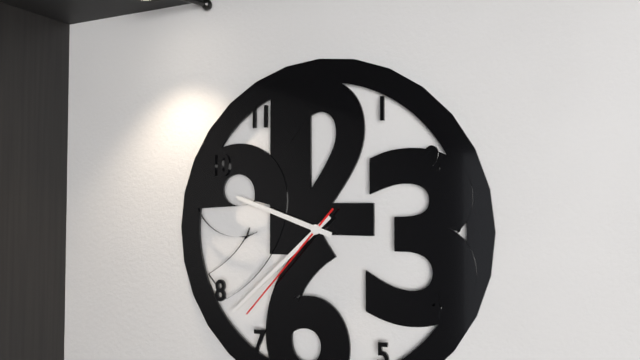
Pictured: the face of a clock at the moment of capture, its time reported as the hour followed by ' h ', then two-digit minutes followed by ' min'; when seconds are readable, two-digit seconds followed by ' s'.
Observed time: 9 h 38 min 37 s
